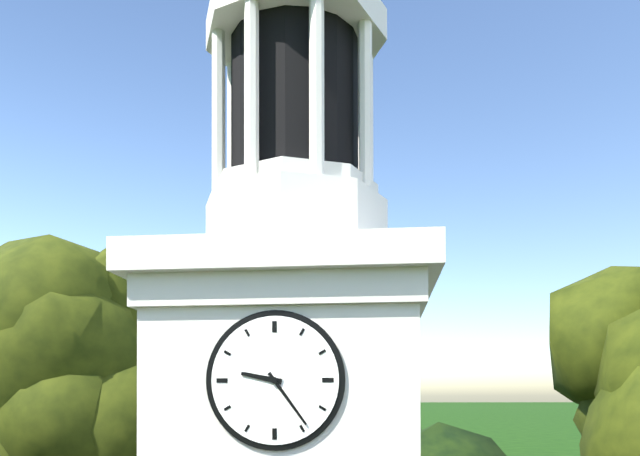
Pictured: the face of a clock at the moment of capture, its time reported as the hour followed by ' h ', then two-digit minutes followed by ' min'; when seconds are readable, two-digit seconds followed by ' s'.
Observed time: 9 h 24 min
